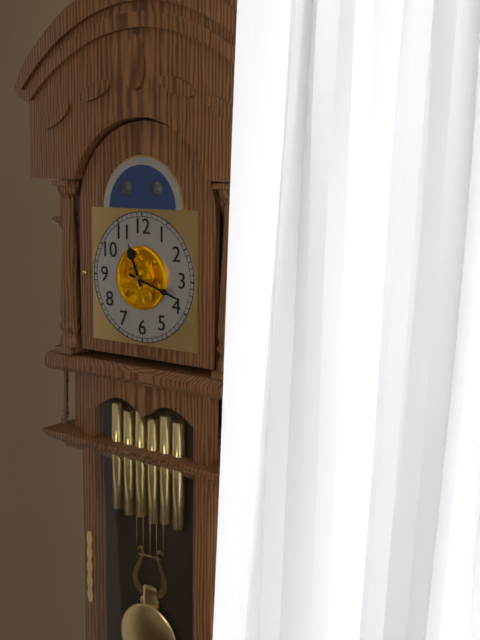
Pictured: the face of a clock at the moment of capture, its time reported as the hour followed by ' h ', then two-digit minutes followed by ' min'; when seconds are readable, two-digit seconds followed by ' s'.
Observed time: 11 h 18 min
